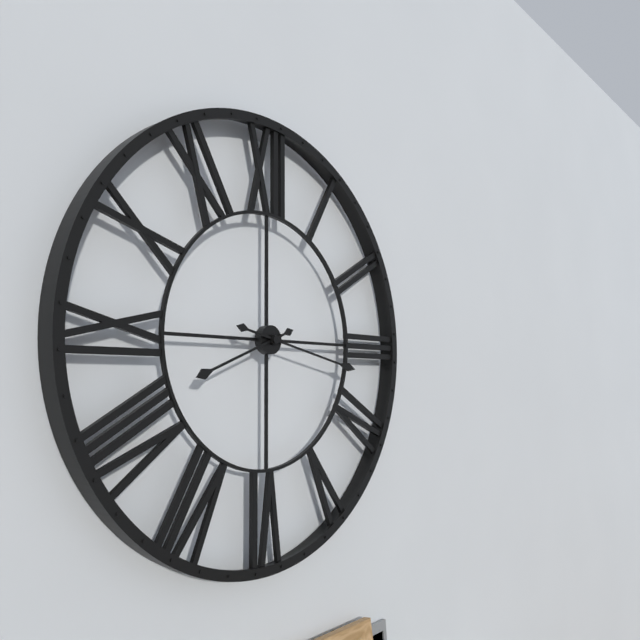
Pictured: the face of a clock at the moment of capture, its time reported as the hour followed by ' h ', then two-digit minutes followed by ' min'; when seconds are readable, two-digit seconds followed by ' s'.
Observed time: 8 h 17 min
